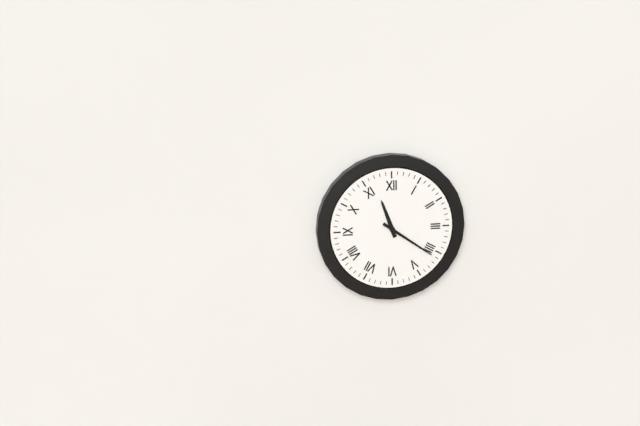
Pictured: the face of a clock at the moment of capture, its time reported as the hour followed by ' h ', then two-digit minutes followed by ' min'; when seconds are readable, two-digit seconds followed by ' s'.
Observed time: 11 h 21 min
